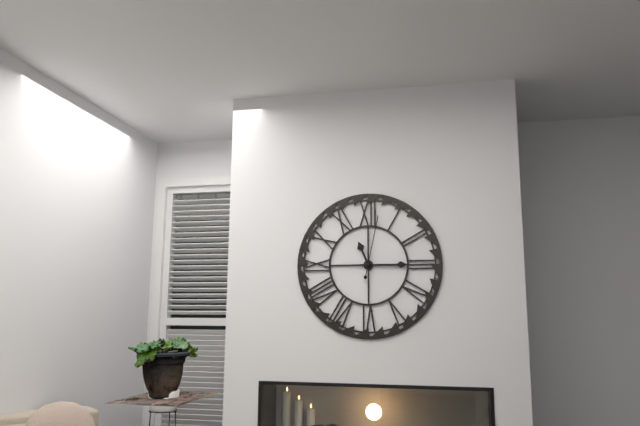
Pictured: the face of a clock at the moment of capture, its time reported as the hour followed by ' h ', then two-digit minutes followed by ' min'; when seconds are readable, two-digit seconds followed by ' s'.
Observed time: 11 h 15 min 02 s
